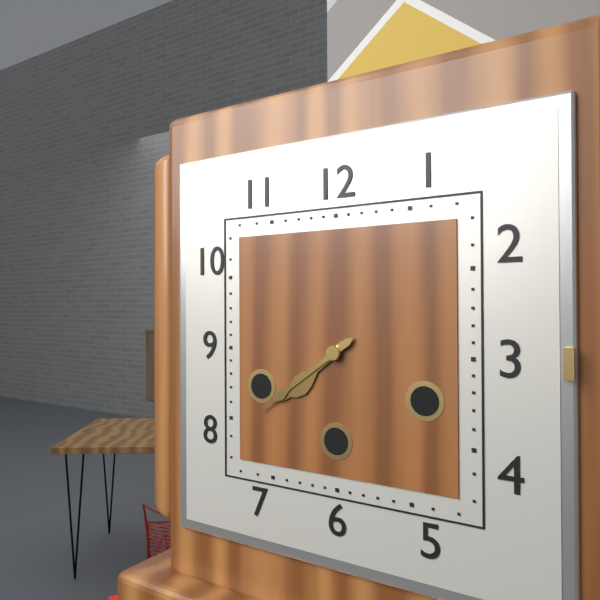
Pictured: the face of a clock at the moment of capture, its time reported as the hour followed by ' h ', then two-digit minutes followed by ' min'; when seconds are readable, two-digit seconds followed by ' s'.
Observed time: 7 h 39 min
